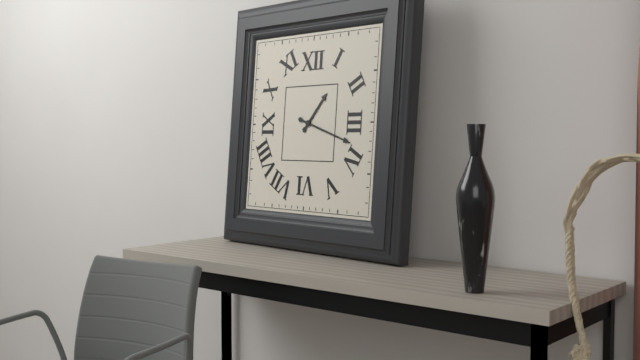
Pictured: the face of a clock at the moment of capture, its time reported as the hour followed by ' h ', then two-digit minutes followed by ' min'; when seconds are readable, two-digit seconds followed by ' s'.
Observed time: 1 h 18 min
